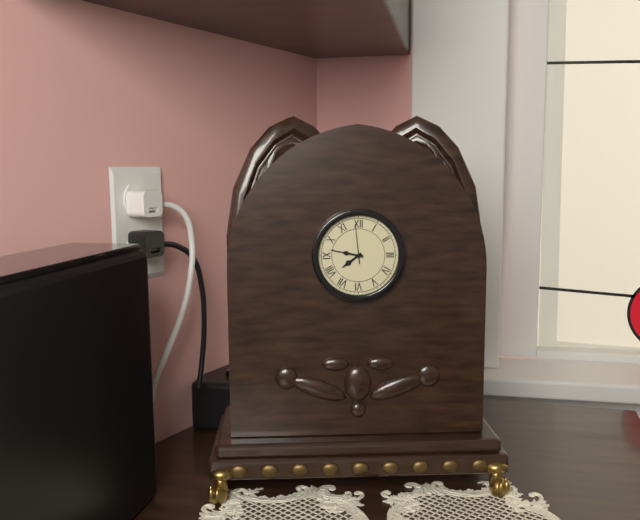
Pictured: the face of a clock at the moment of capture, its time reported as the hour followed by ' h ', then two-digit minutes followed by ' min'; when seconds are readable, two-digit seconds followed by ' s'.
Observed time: 7 h 47 min
